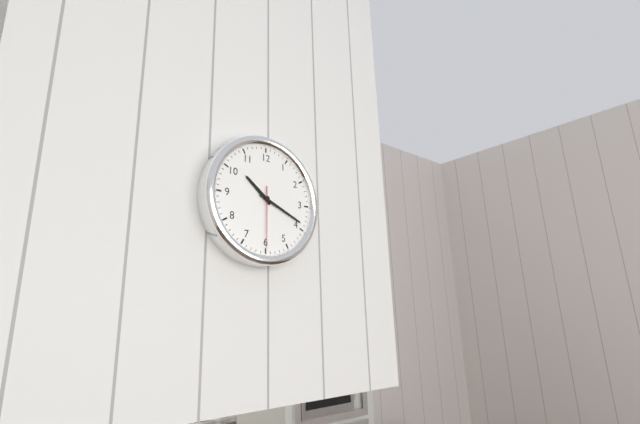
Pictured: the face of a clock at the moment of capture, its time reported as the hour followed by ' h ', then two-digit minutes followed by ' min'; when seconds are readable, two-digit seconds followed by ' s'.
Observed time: 10 h 19 min 30 s
